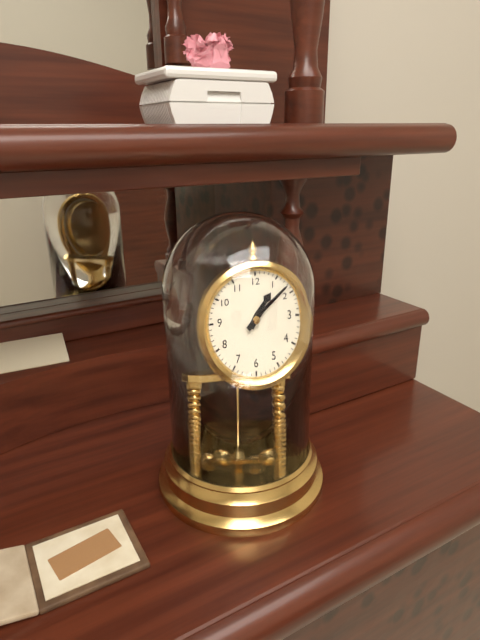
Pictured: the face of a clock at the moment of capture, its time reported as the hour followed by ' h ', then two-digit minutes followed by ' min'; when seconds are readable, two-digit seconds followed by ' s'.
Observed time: 1 h 08 min
